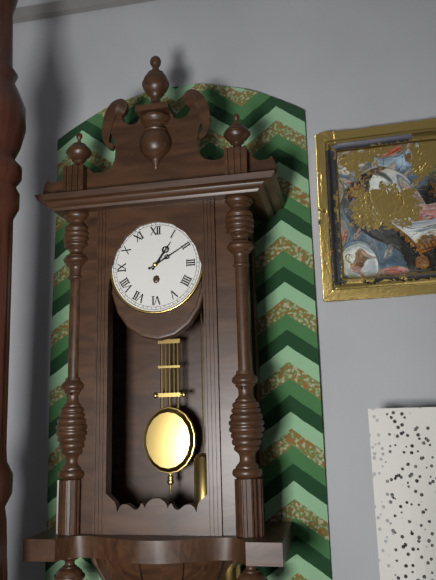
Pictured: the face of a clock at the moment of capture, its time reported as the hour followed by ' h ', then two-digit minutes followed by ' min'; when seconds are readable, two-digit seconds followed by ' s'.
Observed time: 1 h 10 min
